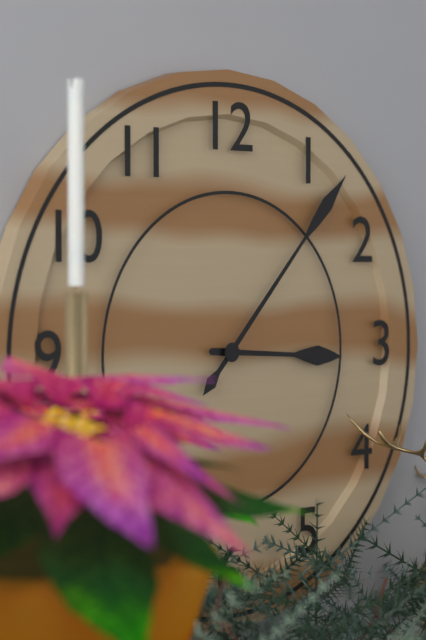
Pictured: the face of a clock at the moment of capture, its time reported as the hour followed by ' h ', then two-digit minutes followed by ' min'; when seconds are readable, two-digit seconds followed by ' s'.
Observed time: 3 h 07 min
